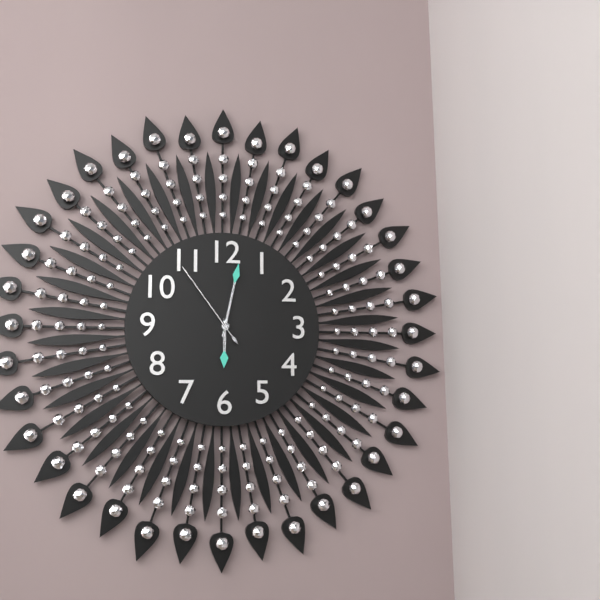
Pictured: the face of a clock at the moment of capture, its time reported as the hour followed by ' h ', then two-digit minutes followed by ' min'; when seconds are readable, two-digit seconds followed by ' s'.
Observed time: 6 h 02 min 54 s
